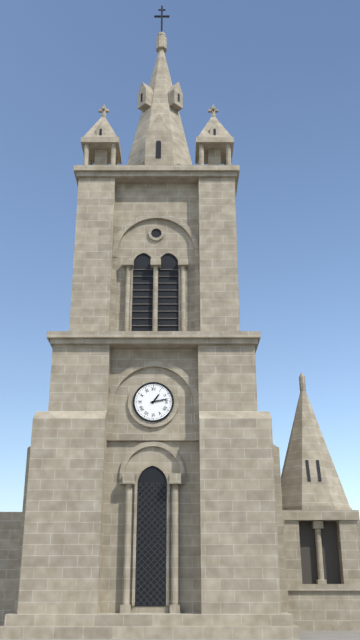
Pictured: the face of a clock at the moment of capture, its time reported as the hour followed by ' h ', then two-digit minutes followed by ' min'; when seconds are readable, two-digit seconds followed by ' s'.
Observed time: 1 h 13 min
